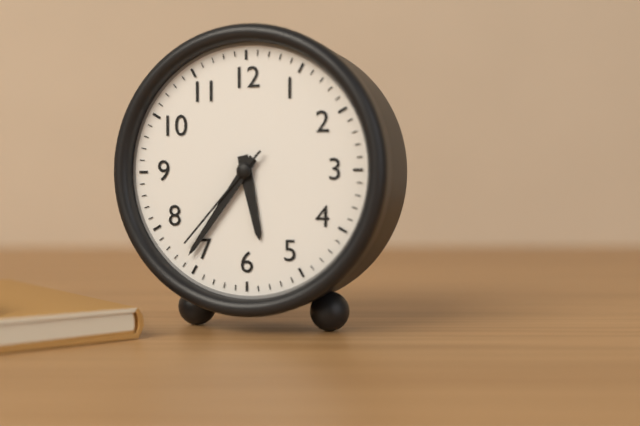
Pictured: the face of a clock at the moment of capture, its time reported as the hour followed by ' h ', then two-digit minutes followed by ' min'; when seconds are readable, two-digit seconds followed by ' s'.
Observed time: 5 h 36 min 37 s
